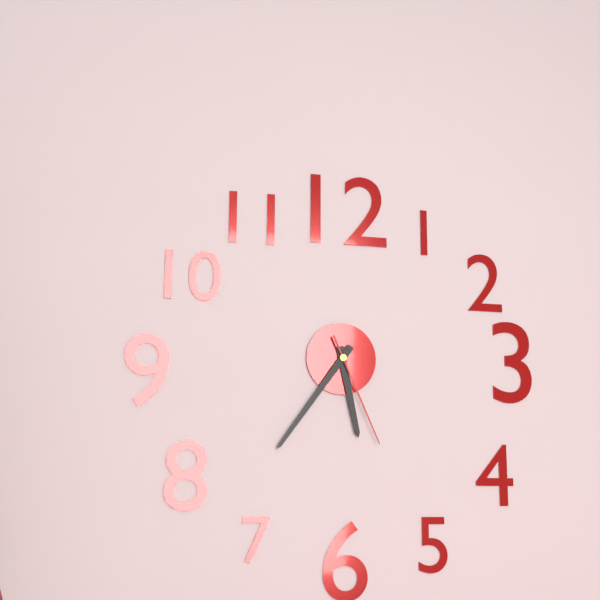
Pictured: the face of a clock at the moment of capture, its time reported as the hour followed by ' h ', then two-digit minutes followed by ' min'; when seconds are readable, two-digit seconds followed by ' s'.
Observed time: 5 h 36 min 26 s
